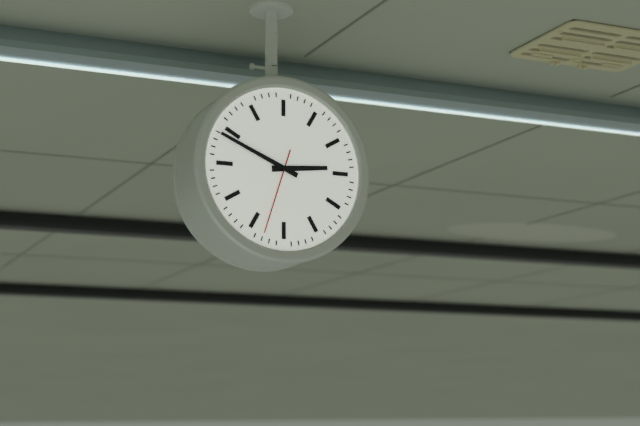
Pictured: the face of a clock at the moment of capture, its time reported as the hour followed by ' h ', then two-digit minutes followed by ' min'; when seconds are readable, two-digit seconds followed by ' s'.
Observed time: 2 h 49 min 33 s
